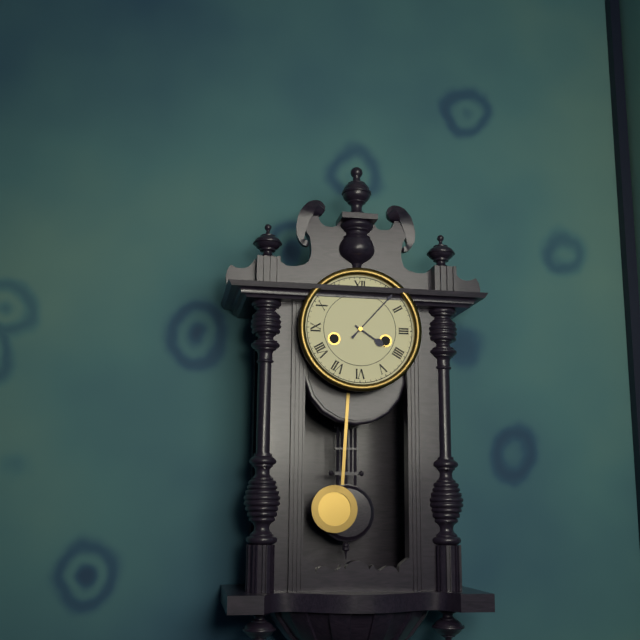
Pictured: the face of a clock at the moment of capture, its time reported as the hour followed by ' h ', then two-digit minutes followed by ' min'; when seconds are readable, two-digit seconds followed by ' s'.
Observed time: 4 h 07 min
